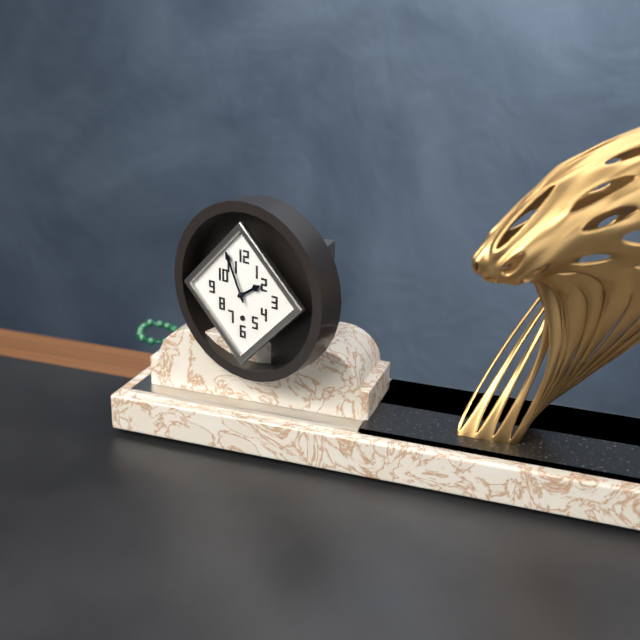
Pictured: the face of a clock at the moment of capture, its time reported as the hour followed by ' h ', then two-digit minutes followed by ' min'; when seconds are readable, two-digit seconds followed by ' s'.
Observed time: 1 h 56 min
